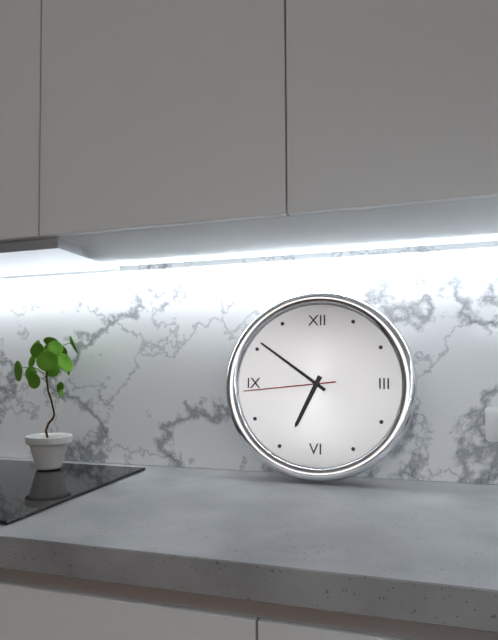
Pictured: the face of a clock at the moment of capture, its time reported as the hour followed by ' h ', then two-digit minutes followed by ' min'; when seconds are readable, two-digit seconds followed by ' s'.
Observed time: 6 h 51 min 44 s
